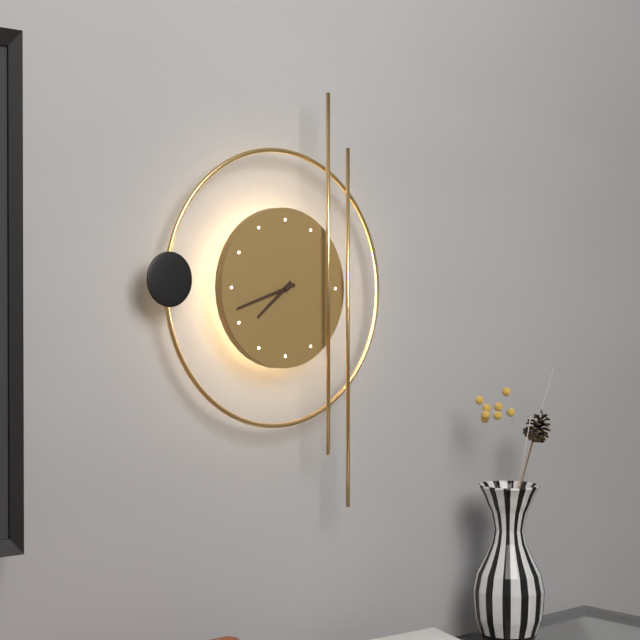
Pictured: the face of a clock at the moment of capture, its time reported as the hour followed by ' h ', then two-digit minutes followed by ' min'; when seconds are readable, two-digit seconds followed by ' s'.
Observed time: 7 h 42 min
